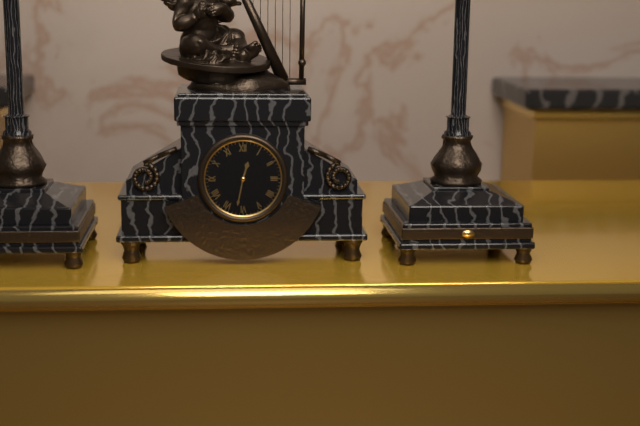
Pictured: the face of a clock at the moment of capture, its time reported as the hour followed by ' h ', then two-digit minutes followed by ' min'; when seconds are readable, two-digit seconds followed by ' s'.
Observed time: 12 h 32 min
